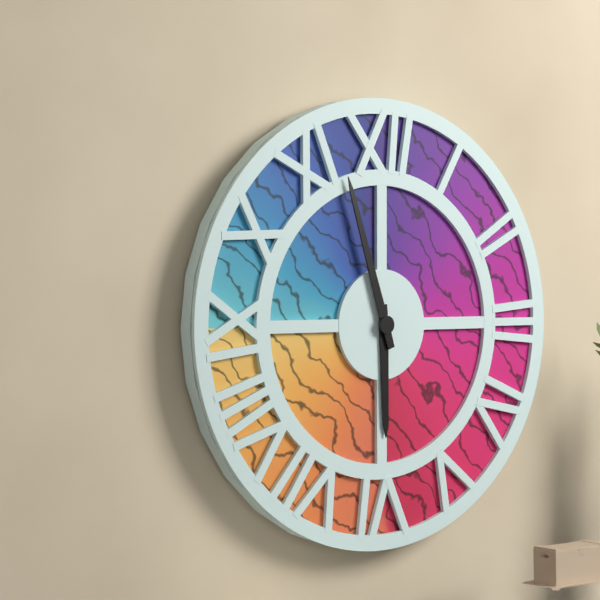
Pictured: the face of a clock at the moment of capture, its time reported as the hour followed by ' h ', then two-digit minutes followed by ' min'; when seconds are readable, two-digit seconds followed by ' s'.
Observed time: 5 h 57 min
